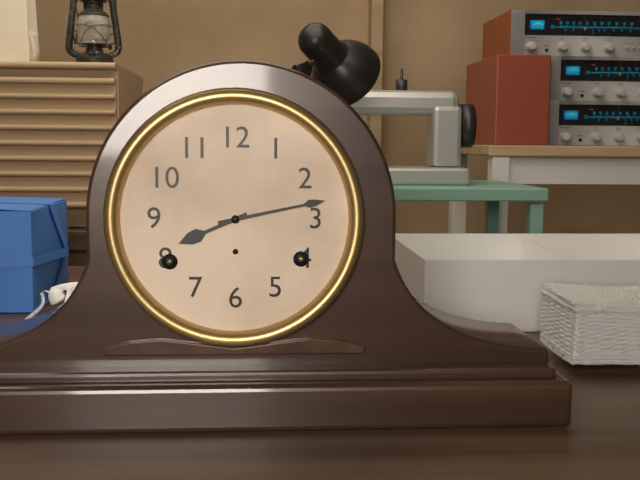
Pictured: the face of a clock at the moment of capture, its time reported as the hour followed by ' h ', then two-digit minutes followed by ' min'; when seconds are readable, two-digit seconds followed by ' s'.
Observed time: 8 h 13 min
